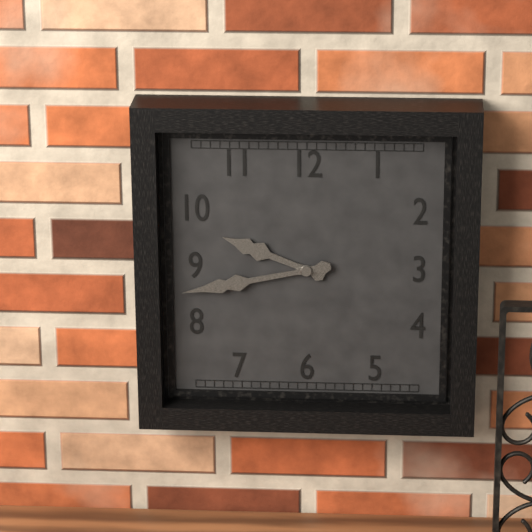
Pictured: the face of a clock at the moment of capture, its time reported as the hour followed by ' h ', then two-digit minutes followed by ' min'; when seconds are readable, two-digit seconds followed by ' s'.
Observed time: 9 h 43 min
